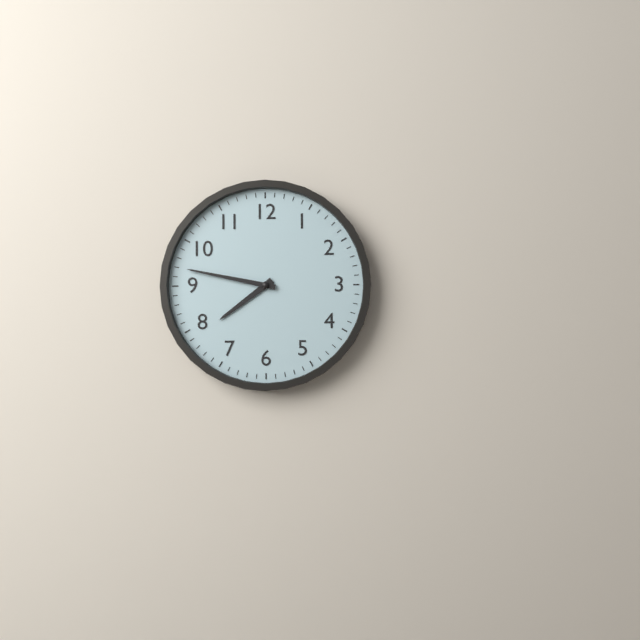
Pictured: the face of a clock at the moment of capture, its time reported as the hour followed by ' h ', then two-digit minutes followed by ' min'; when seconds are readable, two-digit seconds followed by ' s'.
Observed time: 7 h 47 min
